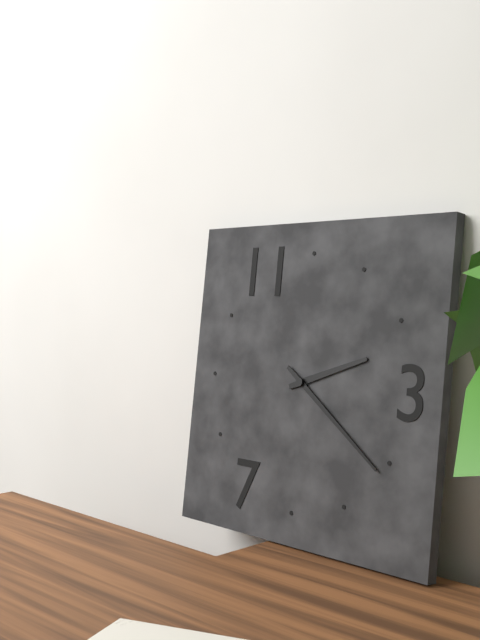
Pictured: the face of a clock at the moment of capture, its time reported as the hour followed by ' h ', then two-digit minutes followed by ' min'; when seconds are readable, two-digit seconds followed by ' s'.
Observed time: 2 h 21 min
